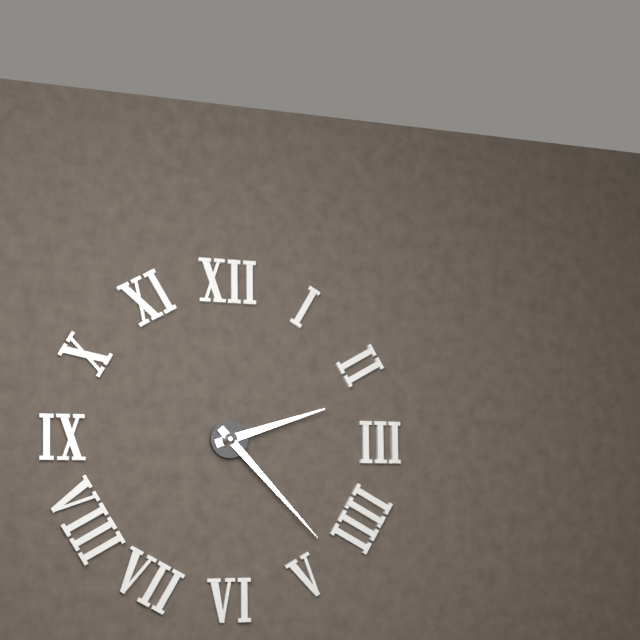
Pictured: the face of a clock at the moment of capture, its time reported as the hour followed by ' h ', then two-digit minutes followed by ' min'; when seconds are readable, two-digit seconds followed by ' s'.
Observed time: 2 h 23 min
